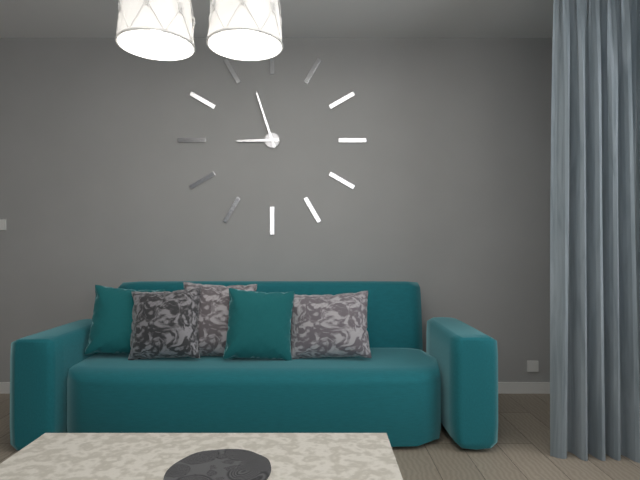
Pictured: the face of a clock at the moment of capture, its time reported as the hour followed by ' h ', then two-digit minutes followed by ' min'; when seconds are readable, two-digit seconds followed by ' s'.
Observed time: 8 h 57 min
